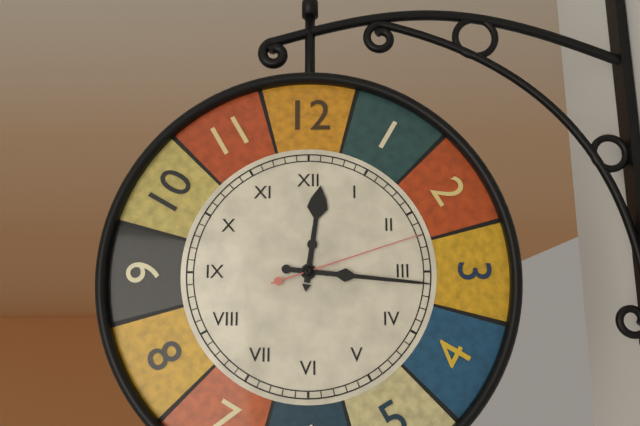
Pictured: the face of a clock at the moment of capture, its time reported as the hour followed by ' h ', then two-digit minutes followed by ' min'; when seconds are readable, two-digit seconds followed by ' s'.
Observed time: 12 h 16 min 12 s
